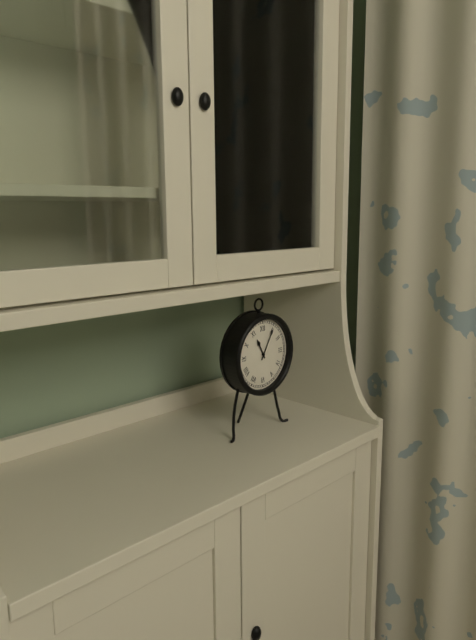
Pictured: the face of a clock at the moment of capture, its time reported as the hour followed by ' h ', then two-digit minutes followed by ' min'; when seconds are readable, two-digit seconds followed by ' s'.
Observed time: 11 h 05 min
